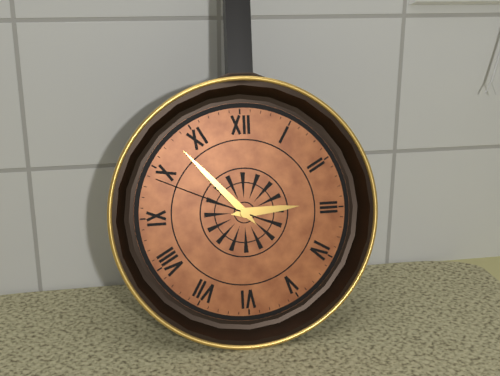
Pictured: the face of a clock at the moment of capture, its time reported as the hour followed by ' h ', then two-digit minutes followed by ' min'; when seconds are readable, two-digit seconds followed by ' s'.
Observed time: 2 h 53 min 49 s
